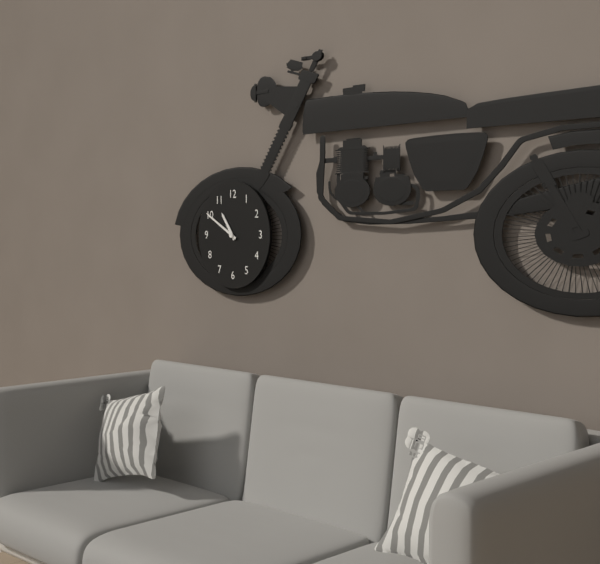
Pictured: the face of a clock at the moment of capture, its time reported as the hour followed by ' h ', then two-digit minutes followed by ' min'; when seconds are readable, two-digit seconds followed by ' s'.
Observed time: 10 h 50 min
